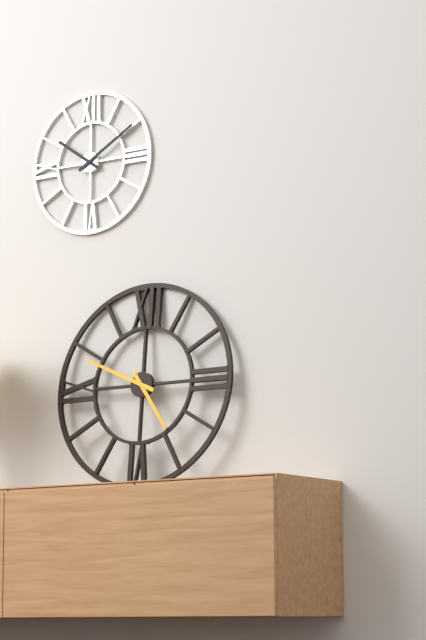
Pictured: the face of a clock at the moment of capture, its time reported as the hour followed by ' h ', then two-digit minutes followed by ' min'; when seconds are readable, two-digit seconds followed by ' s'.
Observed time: 4 h 49 min
